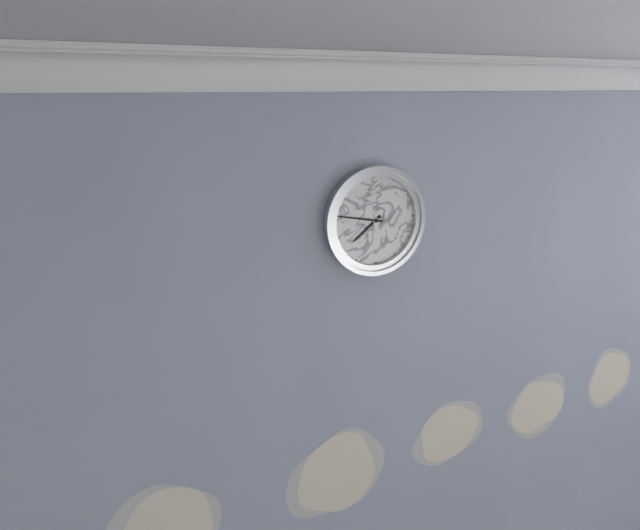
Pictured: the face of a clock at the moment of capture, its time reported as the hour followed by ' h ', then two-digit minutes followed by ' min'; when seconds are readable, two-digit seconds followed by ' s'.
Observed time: 7 h 47 min
